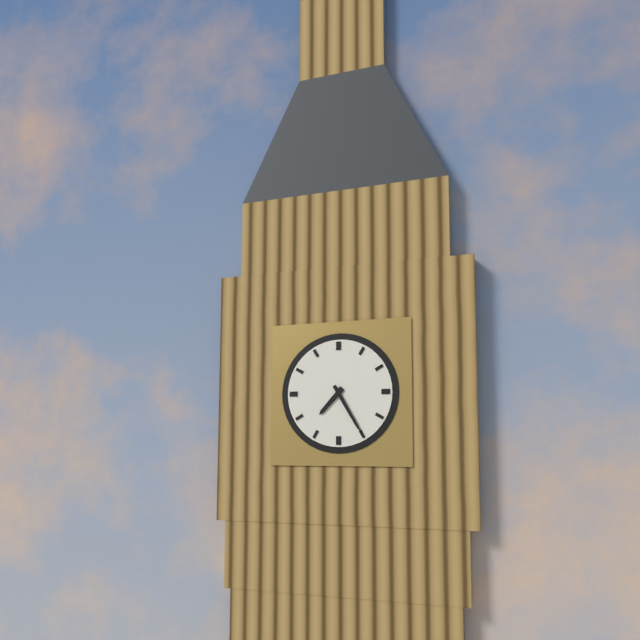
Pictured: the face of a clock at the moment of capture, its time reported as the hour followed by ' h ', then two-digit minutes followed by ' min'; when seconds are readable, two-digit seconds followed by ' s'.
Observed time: 7 h 25 min
